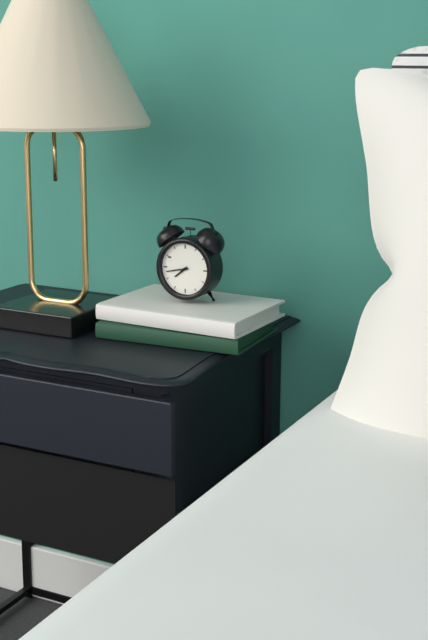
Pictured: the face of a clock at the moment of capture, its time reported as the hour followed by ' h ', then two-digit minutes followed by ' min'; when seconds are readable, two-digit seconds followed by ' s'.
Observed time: 7 h 43 min
